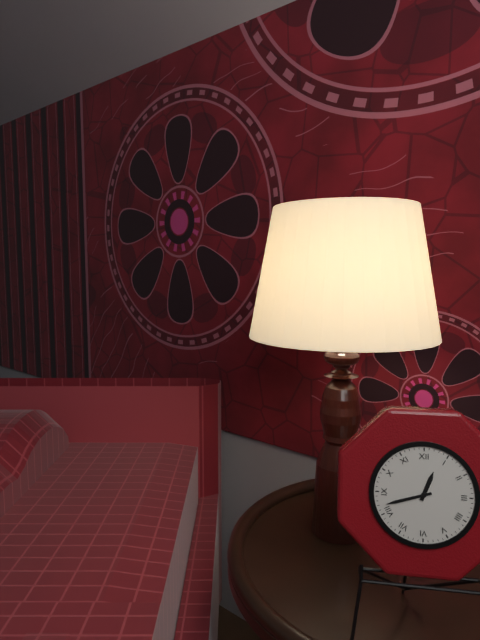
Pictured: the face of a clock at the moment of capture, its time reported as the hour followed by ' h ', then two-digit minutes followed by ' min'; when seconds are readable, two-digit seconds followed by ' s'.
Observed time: 12 h 42 min
